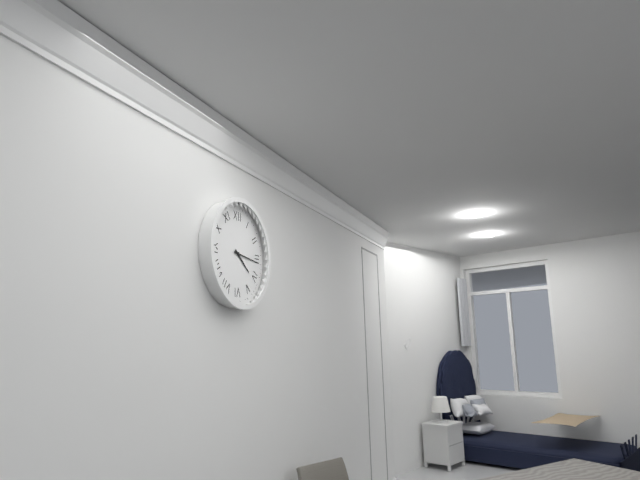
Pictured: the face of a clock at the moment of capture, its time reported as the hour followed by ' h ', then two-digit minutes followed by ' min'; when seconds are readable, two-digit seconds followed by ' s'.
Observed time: 4 h 16 min
